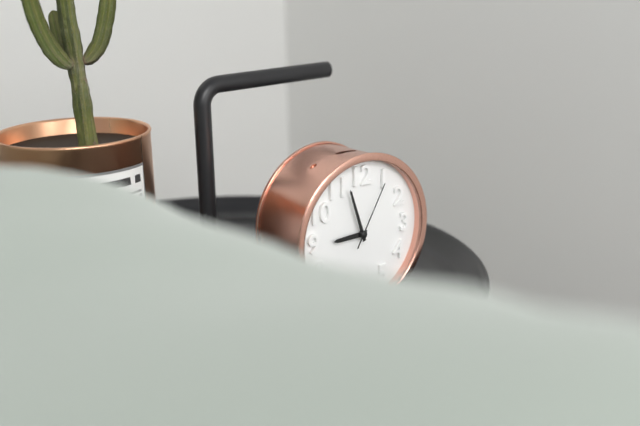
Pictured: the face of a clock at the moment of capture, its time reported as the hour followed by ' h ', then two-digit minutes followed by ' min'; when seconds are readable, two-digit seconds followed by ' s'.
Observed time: 8 h 57 min 05 s
